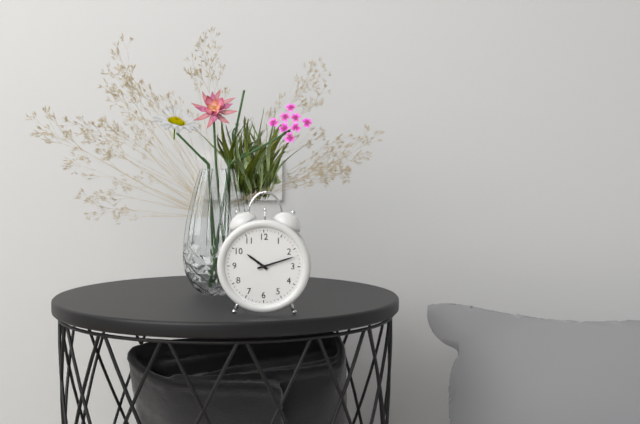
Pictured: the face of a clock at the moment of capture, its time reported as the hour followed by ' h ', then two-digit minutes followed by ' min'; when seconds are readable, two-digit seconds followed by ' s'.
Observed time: 10 h 12 min
